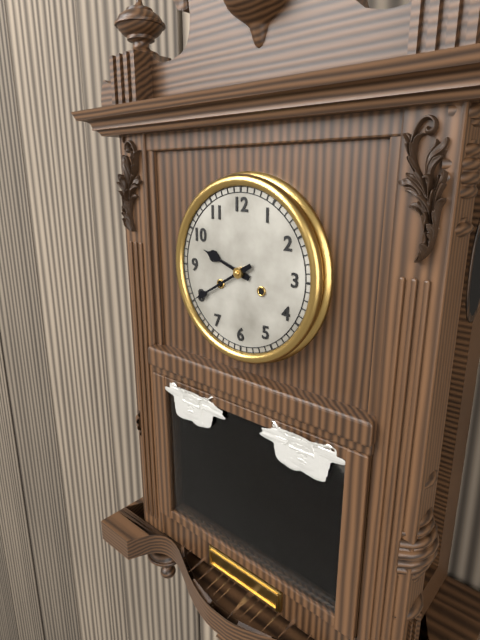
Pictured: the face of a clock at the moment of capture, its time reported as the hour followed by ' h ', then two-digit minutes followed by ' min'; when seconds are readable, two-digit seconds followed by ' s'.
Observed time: 9 h 40 min
